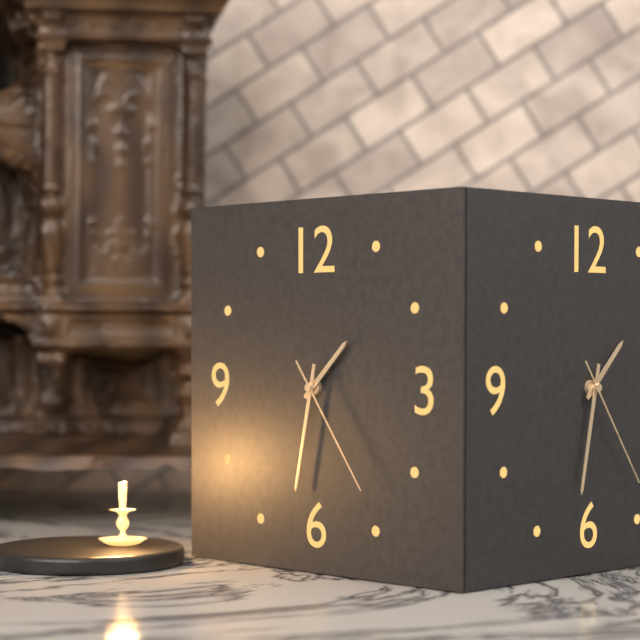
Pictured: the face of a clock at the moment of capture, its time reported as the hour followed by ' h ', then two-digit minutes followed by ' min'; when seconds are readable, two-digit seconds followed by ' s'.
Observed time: 1 h 32 min 24 s
